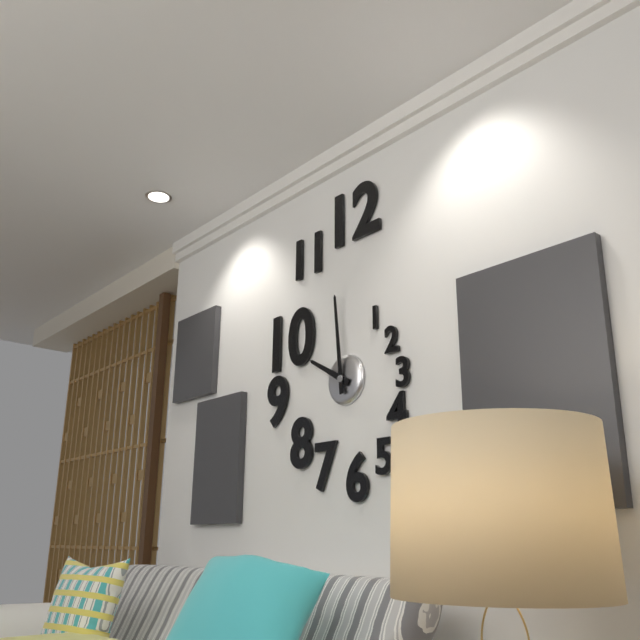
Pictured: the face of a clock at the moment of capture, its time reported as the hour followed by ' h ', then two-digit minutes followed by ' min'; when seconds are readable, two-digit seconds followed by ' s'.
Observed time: 9 h 59 min
